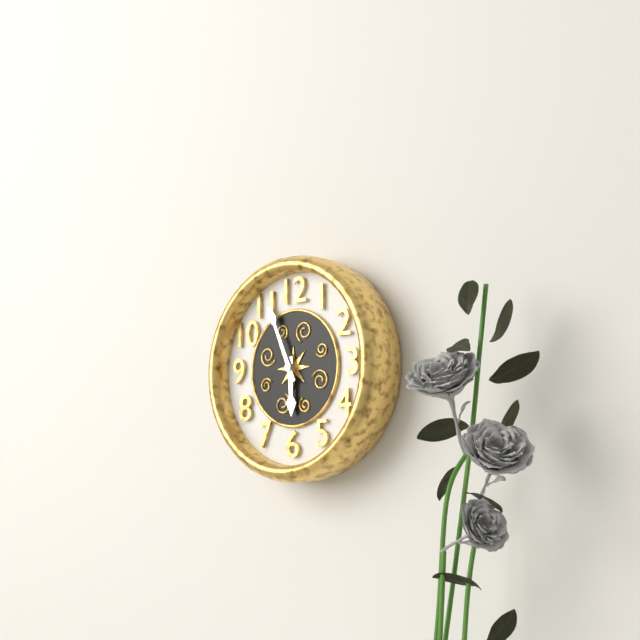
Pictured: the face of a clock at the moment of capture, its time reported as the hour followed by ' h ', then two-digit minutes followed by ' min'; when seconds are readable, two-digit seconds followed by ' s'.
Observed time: 5 h 56 min
